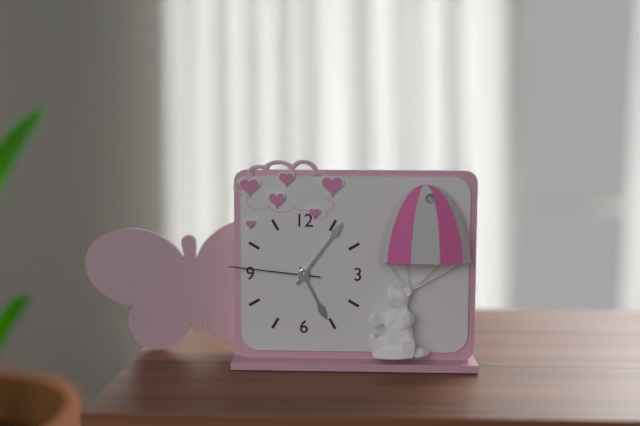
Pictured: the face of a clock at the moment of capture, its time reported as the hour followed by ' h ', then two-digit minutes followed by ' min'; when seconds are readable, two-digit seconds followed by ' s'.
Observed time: 5 h 06 min 46 s
